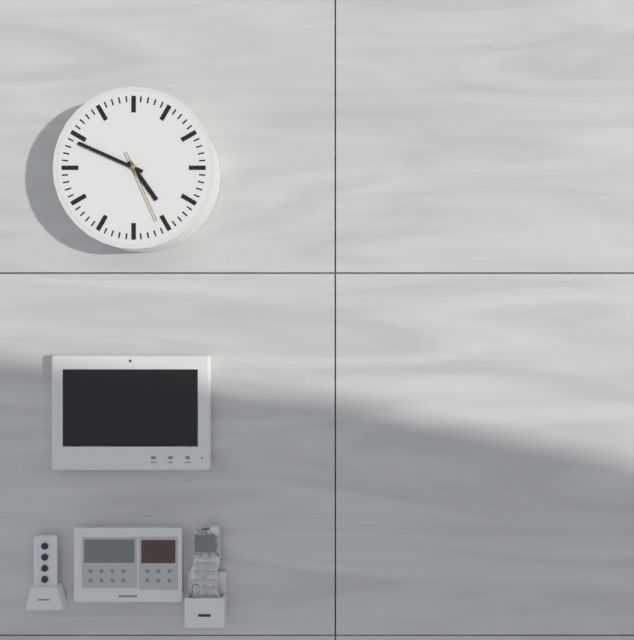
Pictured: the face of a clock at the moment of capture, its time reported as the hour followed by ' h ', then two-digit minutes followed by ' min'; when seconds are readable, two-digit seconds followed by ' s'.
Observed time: 4 h 49 min 26 s
